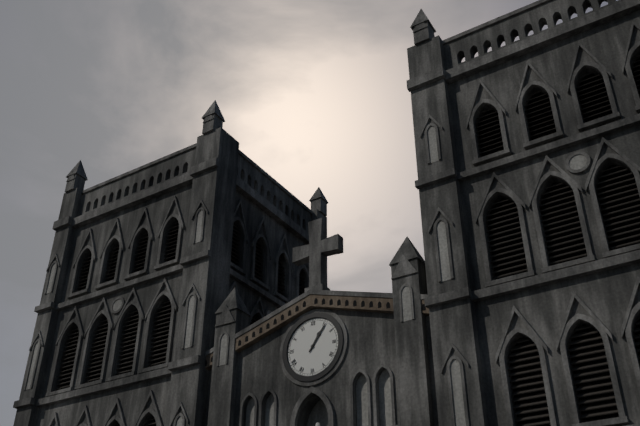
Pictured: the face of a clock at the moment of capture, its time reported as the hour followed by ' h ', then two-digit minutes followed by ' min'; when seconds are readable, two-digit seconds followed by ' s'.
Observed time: 1 h 06 min
